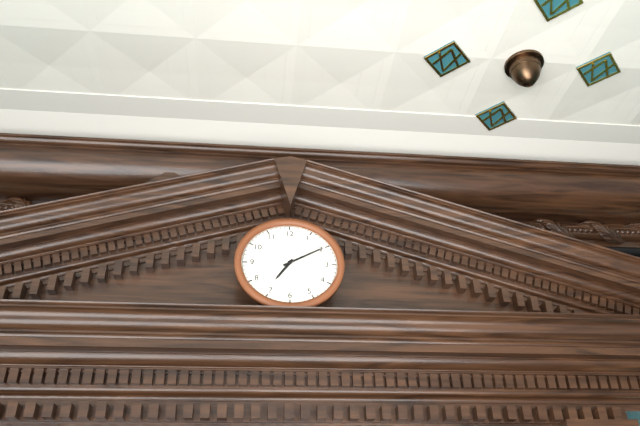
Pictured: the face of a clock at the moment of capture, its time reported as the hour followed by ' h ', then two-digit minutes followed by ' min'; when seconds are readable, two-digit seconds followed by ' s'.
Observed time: 7 h 10 min
